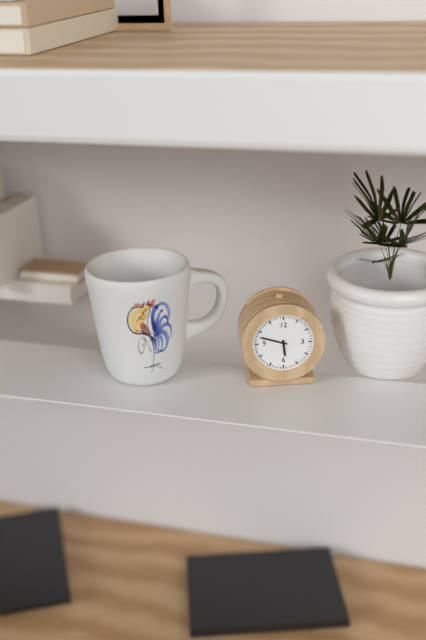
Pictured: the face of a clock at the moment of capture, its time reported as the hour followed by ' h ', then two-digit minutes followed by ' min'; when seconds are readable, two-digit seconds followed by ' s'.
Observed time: 5 h 48 min
